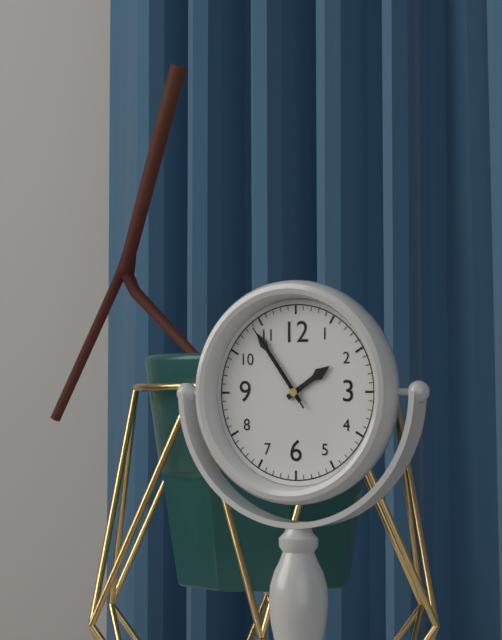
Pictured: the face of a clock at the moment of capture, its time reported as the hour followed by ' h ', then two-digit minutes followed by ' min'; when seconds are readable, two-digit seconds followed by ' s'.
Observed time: 1 h 54 min 54 s
